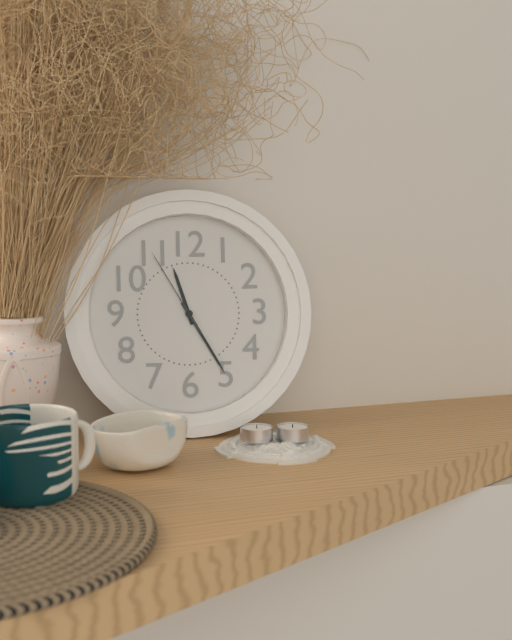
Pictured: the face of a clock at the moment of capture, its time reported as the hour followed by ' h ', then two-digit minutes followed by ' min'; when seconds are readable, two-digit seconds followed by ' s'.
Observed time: 11 h 25 min 55 s
